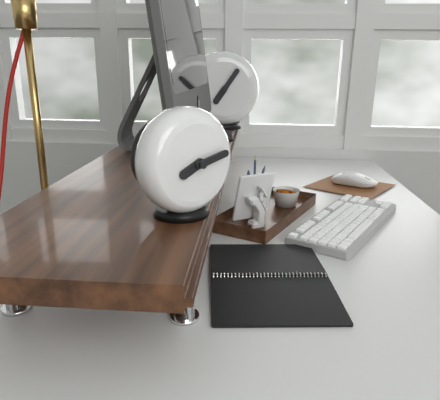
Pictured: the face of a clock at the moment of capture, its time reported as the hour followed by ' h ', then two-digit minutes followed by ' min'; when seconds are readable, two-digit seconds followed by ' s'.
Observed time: 8 h 13 min
